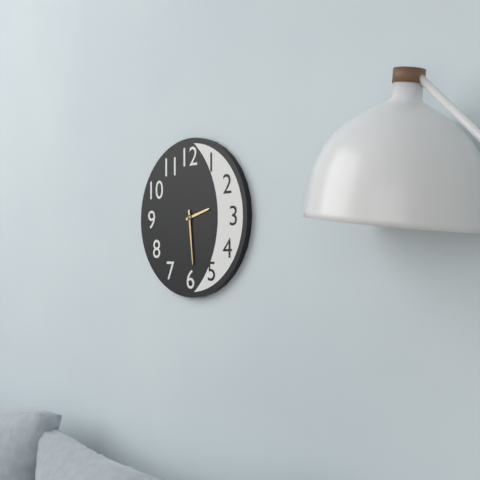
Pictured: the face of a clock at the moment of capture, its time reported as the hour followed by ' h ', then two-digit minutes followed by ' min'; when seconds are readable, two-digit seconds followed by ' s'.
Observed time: 2 h 29 min
